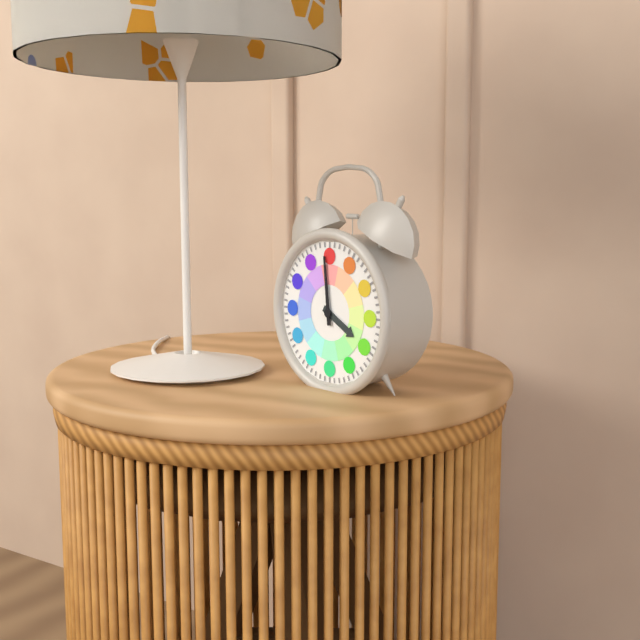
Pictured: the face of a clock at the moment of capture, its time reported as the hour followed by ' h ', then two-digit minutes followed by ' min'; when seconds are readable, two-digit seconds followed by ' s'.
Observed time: 3 h 59 min
